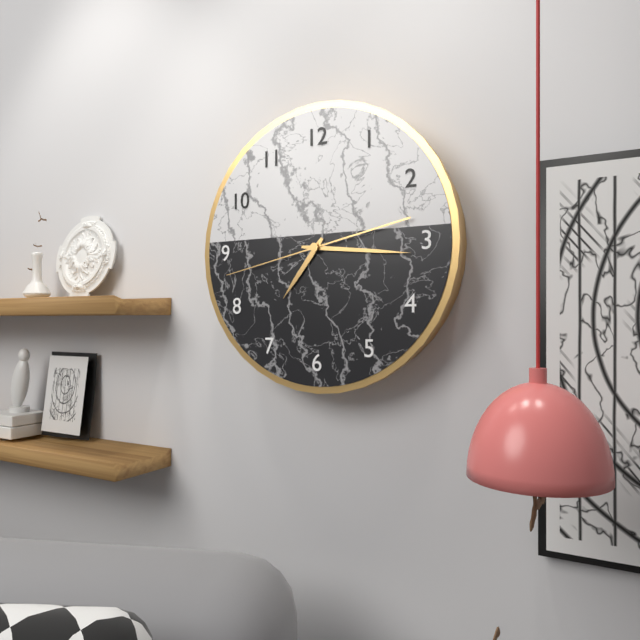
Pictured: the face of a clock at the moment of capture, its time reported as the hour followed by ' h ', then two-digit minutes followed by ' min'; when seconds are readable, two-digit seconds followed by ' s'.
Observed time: 7 h 16 min 43 s
